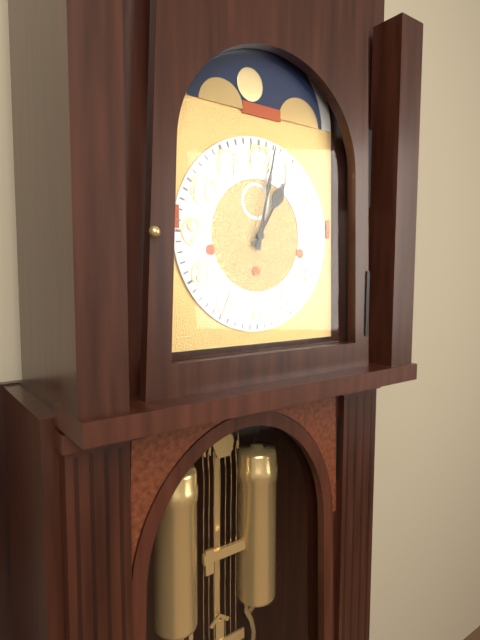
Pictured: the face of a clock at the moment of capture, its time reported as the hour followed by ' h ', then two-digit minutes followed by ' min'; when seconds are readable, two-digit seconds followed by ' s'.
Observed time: 1 h 02 min
